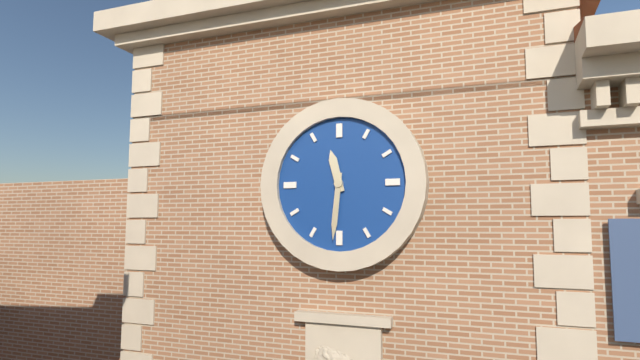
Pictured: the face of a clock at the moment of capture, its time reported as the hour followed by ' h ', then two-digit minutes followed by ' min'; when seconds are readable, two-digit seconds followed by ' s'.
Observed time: 11 h 31 min
